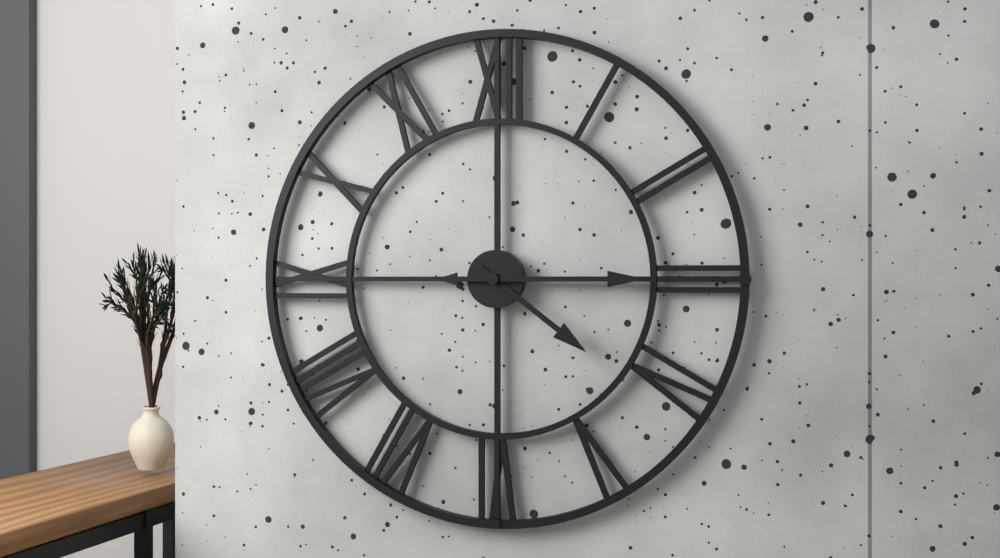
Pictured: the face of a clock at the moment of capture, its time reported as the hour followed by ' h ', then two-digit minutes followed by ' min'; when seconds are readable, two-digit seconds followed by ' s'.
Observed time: 4 h 15 min
